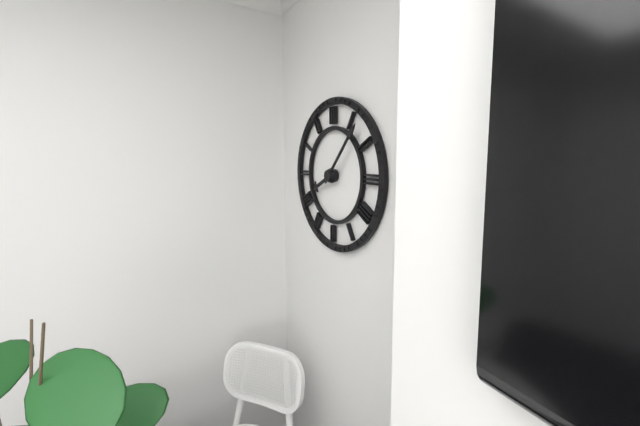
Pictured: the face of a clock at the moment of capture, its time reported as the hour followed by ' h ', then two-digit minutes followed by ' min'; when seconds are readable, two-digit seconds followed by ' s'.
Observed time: 8 h 07 min
